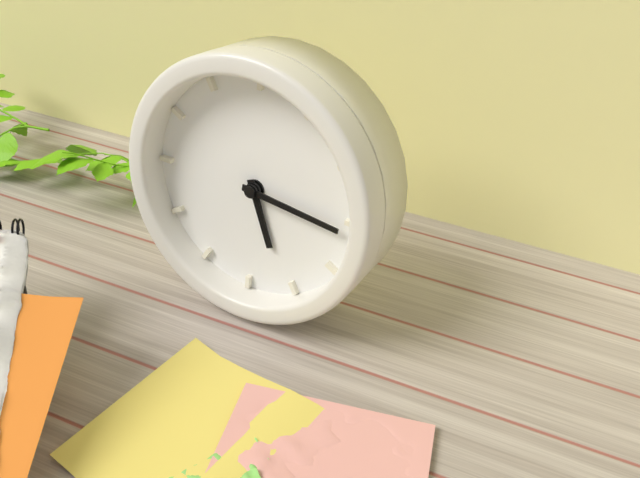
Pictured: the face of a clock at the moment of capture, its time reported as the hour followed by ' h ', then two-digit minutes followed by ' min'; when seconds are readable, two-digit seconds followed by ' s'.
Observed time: 5 h 16 min
